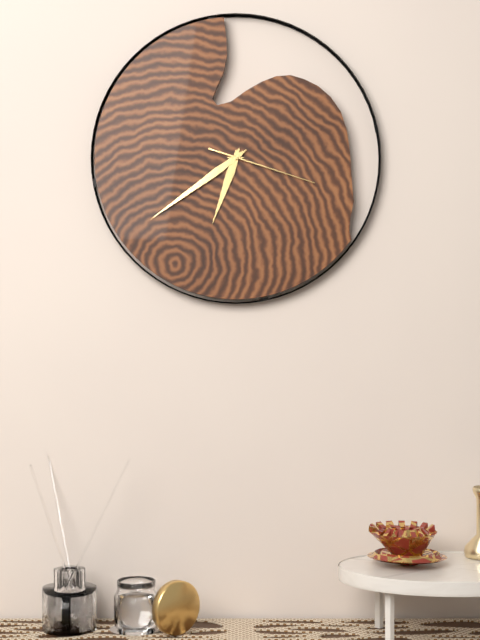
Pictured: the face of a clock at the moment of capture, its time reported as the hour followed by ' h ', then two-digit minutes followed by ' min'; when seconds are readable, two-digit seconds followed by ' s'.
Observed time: 6 h 39 min 18 s
